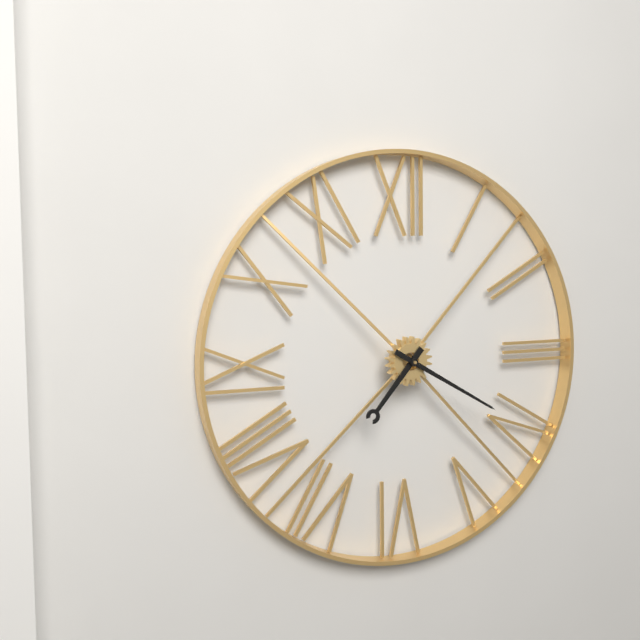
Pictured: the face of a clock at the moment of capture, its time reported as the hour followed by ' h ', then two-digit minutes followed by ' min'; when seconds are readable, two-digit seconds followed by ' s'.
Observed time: 7 h 20 min
